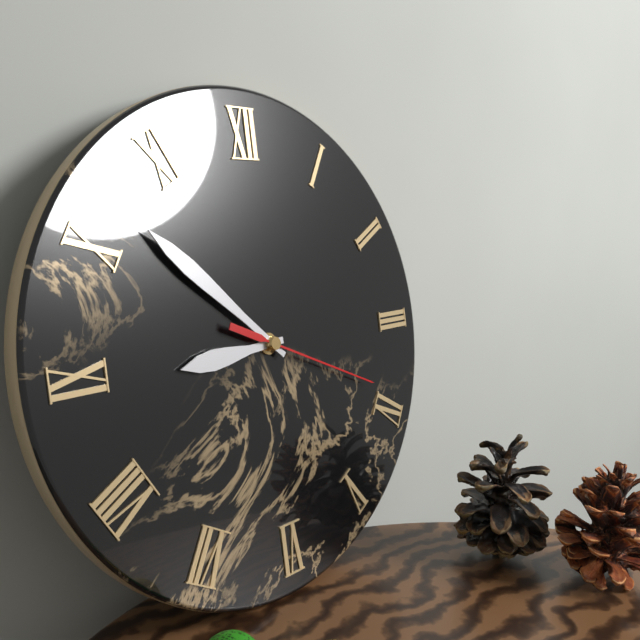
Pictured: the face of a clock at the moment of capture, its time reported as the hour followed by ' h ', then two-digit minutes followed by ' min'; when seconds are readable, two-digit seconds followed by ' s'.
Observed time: 8 h 52 min 19 s
